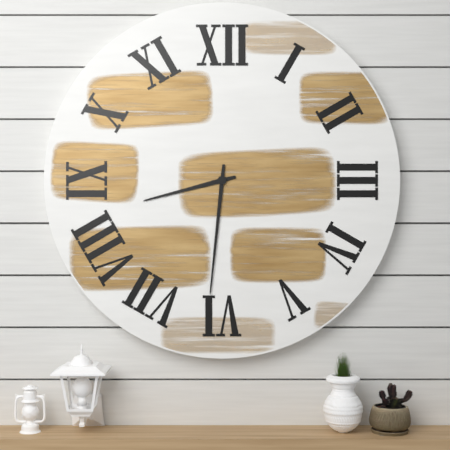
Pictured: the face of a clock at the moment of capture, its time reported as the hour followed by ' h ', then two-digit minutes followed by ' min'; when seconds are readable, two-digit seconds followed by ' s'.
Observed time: 8 h 31 min
